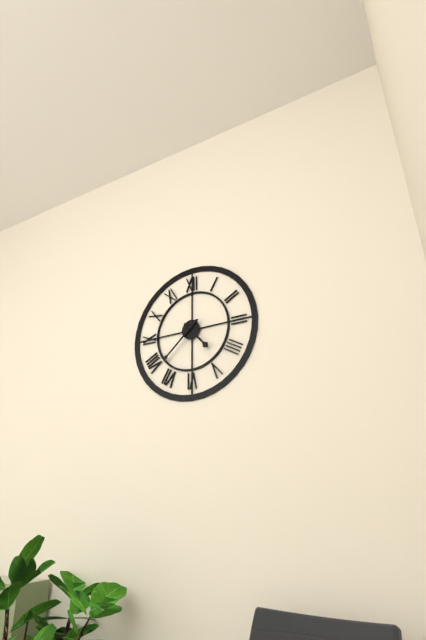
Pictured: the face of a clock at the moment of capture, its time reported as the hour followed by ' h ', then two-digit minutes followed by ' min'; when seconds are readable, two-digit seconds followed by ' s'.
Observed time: 4 h 38 min
